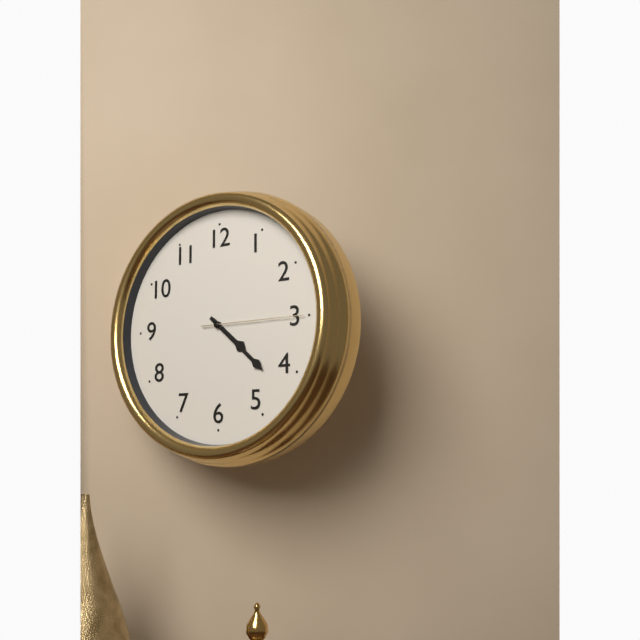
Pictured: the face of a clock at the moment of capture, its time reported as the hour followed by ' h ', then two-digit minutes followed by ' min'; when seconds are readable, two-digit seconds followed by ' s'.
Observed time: 4 h 22 min 15 s
